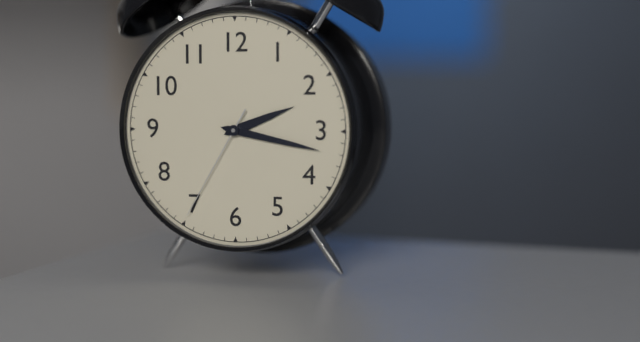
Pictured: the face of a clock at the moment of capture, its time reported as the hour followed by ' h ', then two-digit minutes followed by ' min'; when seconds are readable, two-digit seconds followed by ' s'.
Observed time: 2 h 17 min 35 s
